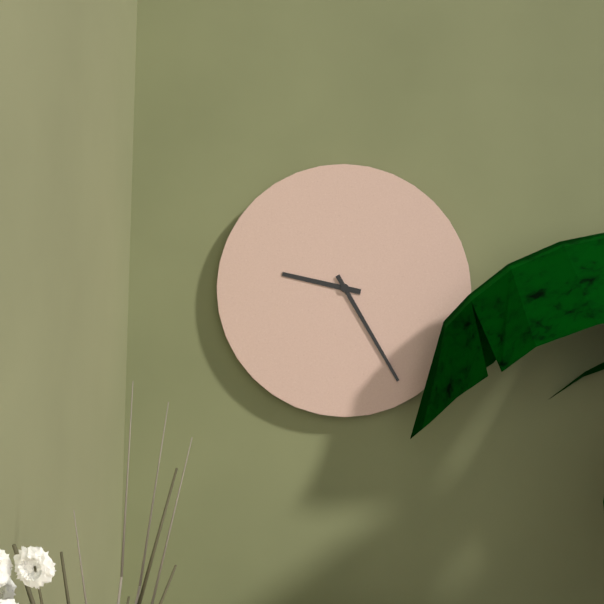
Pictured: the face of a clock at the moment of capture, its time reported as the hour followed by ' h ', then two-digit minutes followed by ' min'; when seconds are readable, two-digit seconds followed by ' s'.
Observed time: 9 h 25 min
